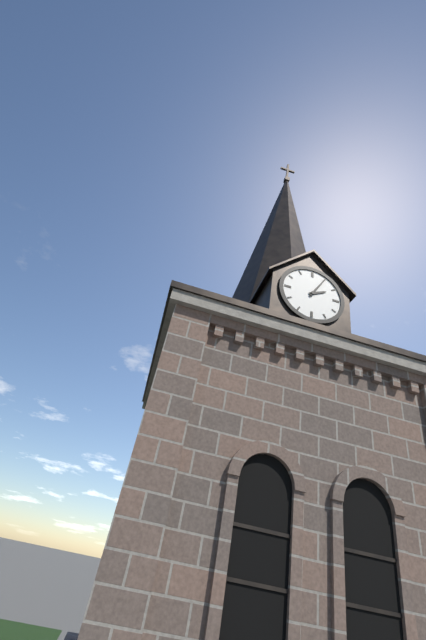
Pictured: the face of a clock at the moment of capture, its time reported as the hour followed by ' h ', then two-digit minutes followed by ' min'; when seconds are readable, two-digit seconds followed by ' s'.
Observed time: 2 h 05 min
